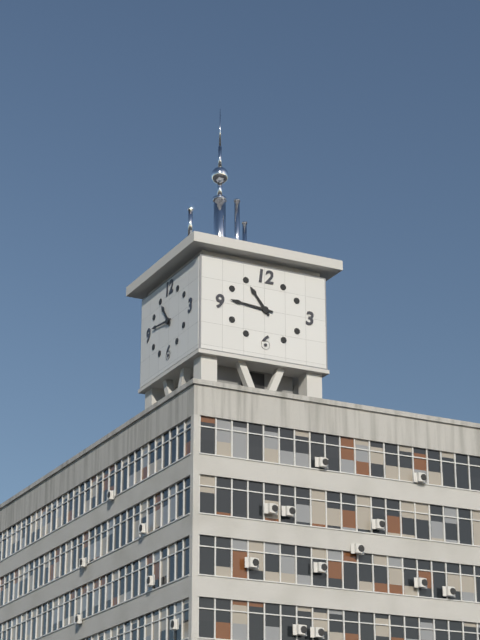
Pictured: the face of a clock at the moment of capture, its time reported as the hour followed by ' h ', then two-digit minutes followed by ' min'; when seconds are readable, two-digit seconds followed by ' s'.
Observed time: 10 h 46 min
